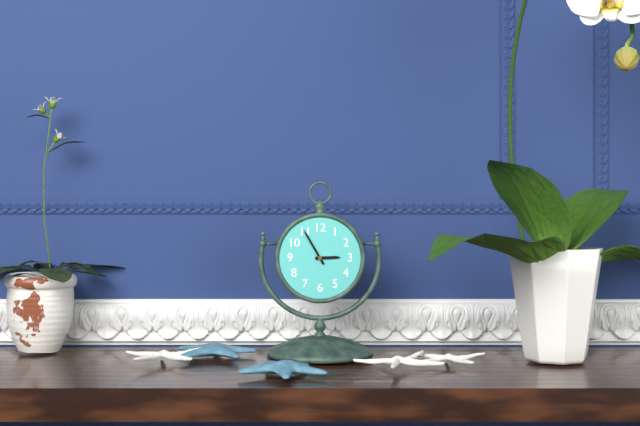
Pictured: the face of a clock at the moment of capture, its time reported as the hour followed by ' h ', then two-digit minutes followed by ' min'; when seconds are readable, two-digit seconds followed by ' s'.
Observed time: 2 h 55 min
